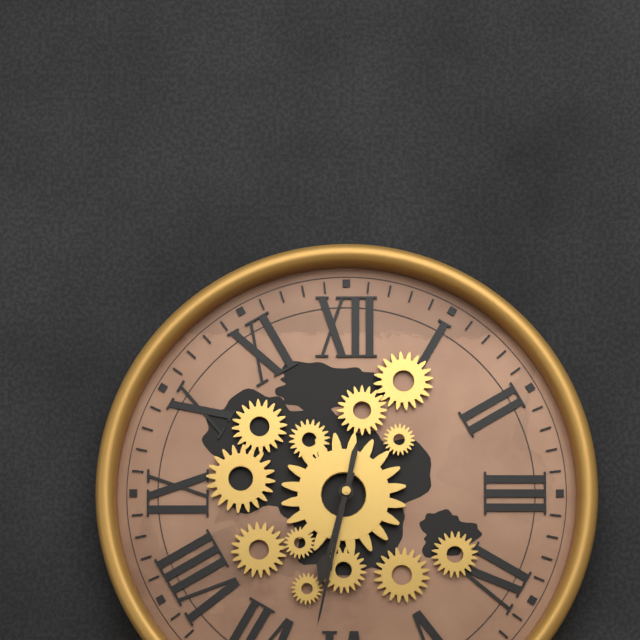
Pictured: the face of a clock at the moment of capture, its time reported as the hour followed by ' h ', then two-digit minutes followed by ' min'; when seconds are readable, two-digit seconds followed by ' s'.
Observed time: 6 h 32 min
